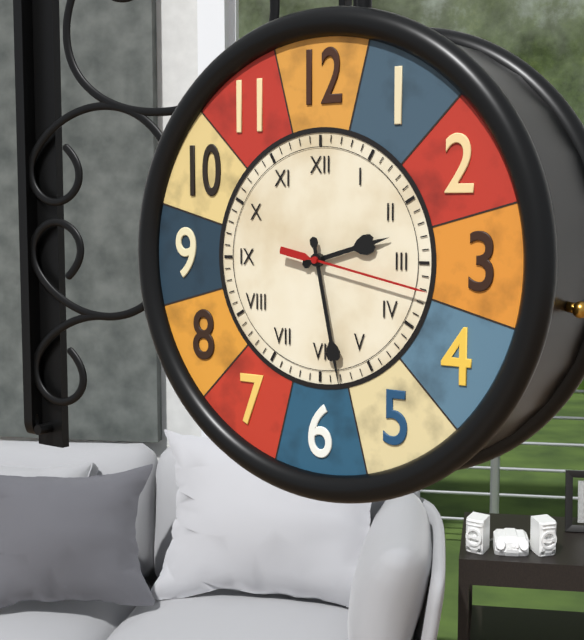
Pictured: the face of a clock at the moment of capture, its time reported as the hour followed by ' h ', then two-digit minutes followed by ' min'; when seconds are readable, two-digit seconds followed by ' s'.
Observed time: 2 h 28 min 17 s
